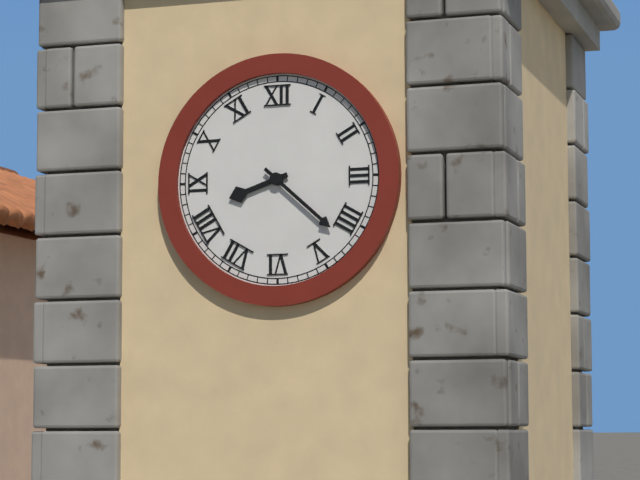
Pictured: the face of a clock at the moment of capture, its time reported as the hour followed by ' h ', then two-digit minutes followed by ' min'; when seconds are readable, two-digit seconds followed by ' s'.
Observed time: 8 h 22 min
